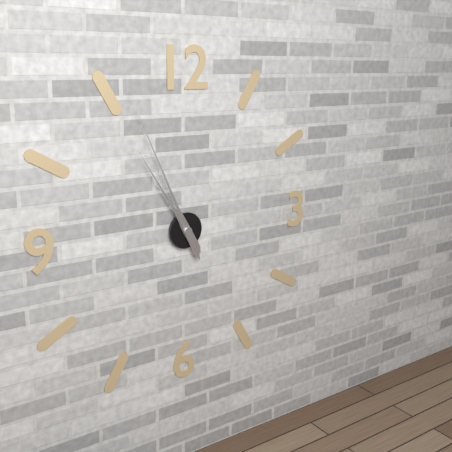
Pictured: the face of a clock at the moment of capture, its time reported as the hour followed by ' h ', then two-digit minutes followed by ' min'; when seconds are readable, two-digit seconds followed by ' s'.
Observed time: 10 h 56 min
